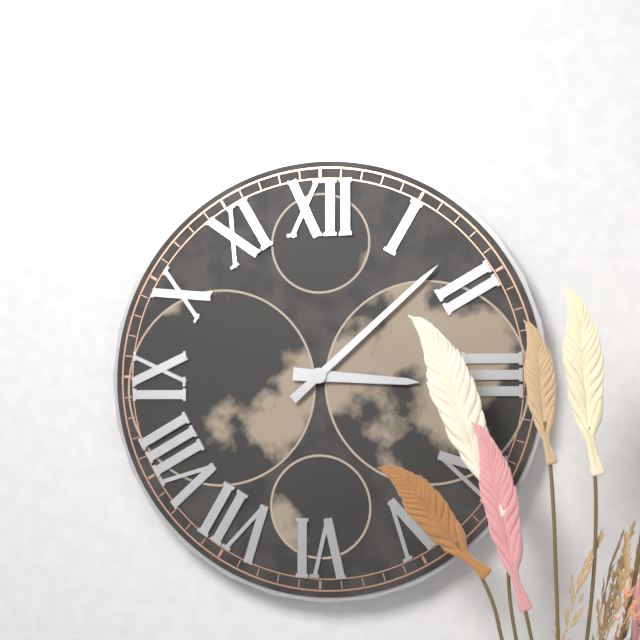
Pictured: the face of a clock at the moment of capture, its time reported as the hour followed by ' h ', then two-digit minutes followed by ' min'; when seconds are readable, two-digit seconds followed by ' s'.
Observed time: 3 h 08 min
